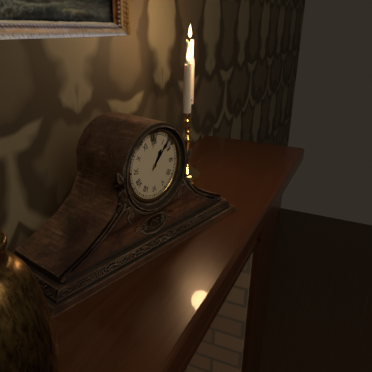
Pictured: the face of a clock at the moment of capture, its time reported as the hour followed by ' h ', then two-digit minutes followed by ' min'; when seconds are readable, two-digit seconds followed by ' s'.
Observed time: 1 h 07 min
